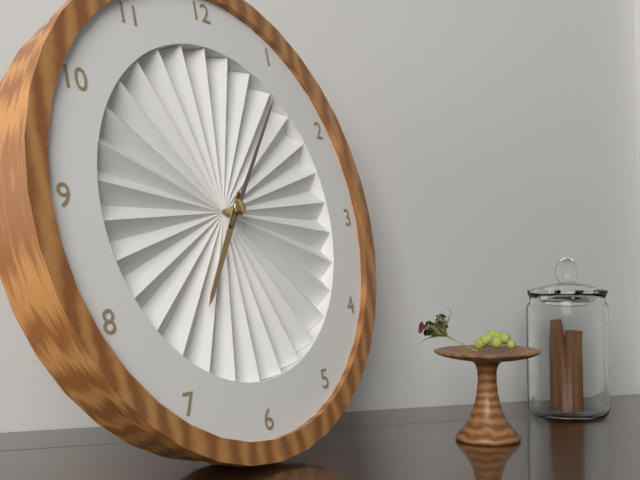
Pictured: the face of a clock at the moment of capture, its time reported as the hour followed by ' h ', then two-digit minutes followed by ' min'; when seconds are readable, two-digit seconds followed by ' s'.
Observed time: 7 h 06 min
